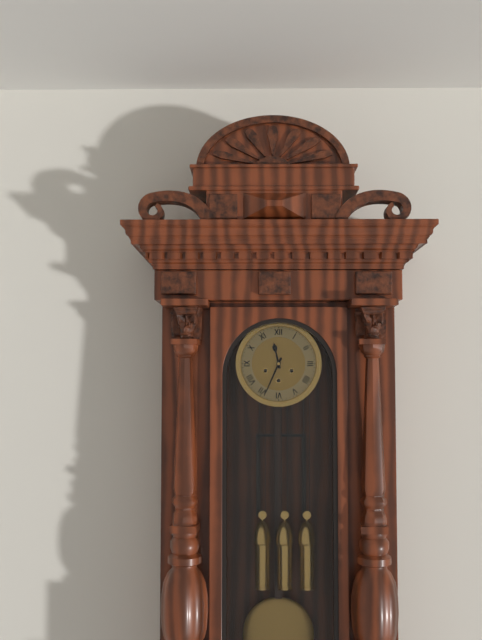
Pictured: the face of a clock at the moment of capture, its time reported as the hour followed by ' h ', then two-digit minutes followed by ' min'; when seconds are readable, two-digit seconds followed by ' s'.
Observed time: 11 h 34 min
